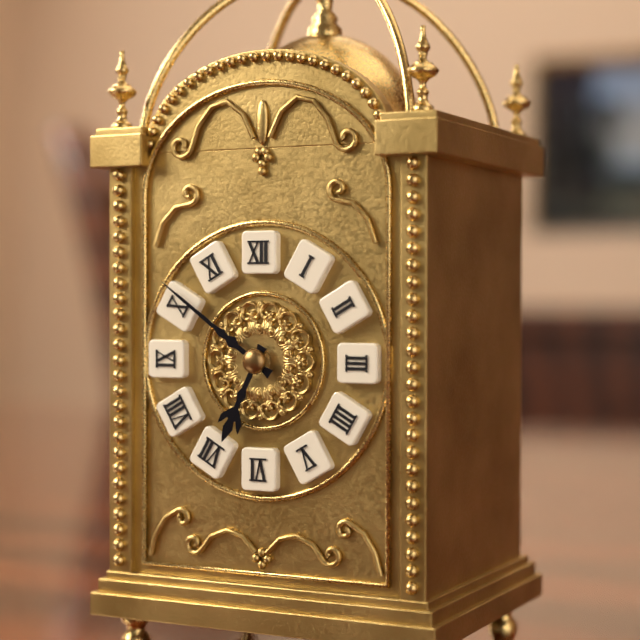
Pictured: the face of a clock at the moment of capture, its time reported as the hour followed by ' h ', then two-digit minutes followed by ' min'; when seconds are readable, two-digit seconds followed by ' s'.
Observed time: 6 h 51 min
